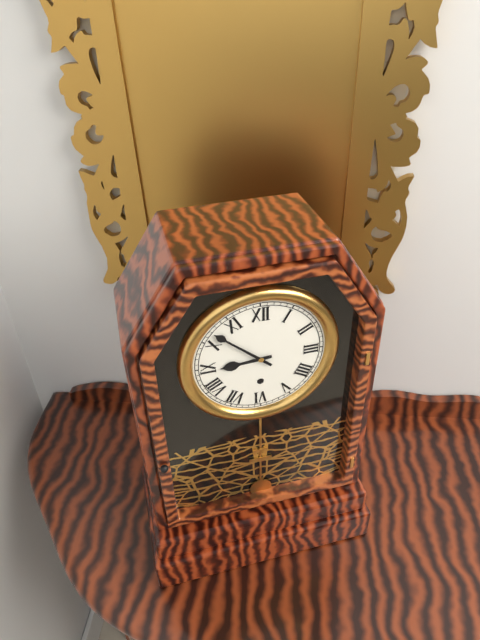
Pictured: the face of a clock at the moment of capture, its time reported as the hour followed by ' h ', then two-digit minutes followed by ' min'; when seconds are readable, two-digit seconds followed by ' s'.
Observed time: 8 h 52 min
